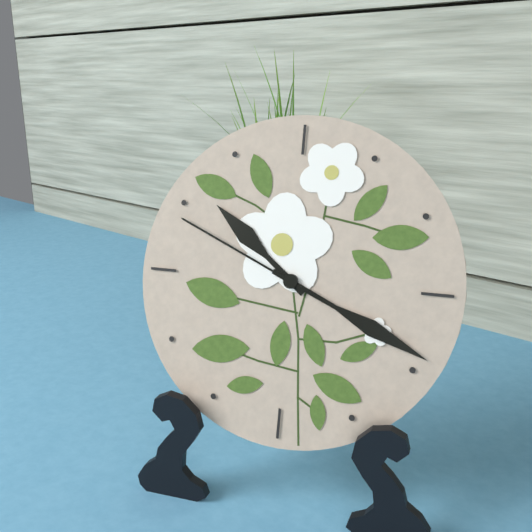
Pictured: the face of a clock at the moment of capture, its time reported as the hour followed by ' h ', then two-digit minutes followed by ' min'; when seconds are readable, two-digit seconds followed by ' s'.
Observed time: 10 h 19 min 49 s
